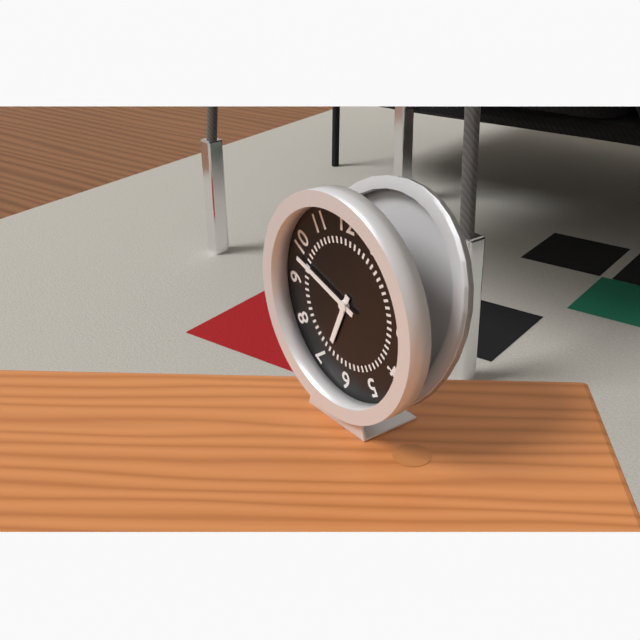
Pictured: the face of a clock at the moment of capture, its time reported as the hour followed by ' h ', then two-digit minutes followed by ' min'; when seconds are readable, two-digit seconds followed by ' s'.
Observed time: 6 h 48 min
